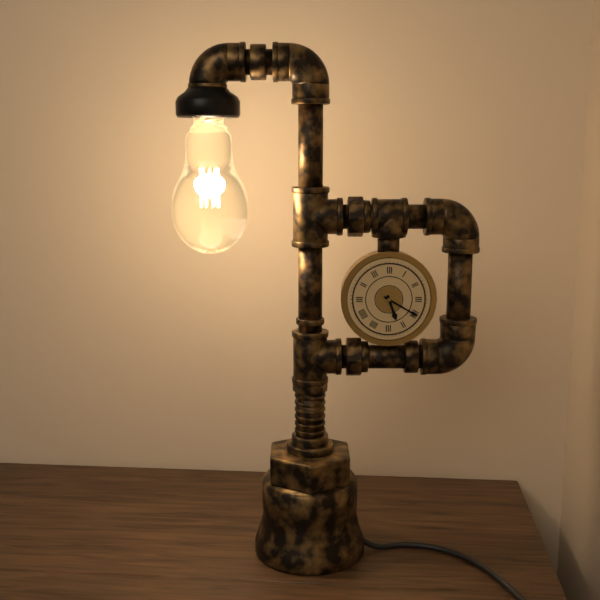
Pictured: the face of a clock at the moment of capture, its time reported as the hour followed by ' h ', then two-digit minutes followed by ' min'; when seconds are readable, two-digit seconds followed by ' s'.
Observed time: 5 h 20 min
